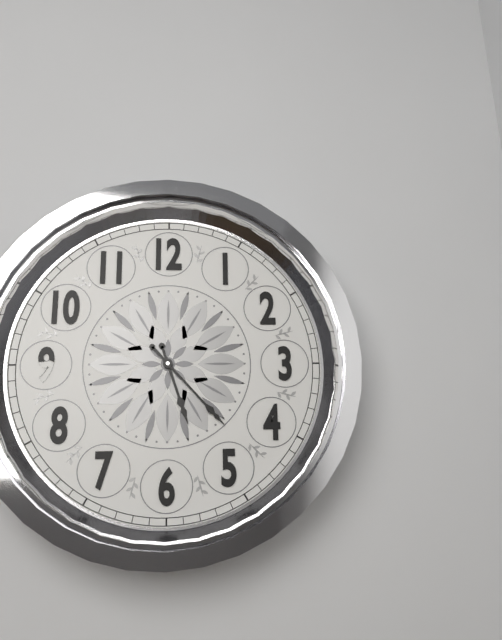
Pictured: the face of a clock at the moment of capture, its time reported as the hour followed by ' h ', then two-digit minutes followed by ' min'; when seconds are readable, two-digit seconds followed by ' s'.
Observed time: 5 h 23 min
